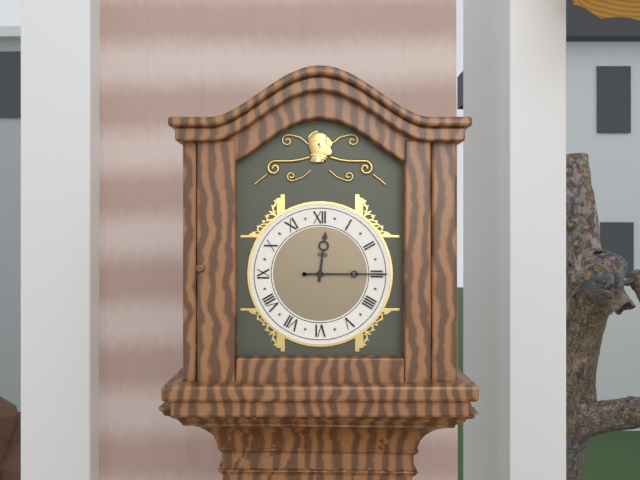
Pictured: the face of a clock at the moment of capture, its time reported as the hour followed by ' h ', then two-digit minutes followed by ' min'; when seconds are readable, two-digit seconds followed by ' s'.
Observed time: 12 h 15 min
